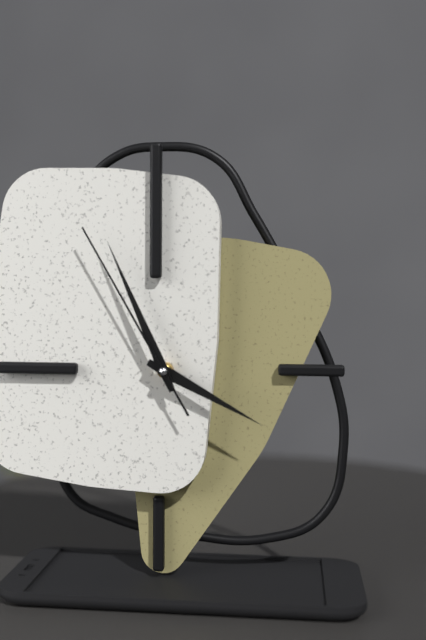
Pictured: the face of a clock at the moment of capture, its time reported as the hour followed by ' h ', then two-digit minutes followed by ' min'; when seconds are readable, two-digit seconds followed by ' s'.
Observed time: 3 h 56 min 55 s
